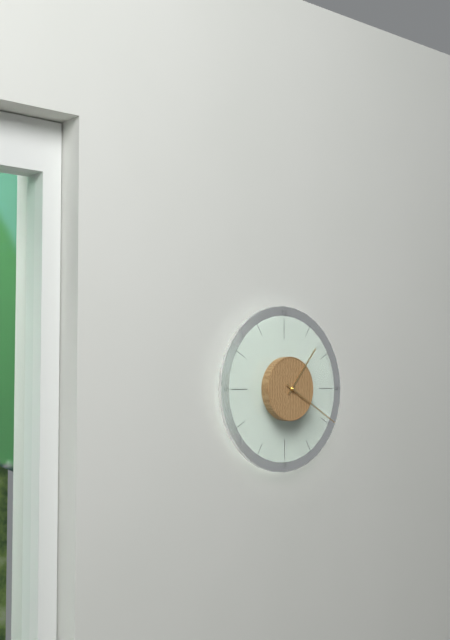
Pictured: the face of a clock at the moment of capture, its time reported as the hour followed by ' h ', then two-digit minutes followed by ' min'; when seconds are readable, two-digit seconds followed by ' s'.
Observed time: 1 h 20 min
